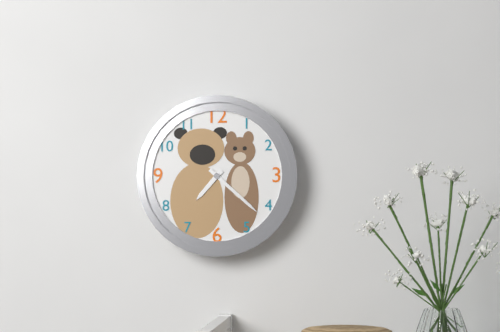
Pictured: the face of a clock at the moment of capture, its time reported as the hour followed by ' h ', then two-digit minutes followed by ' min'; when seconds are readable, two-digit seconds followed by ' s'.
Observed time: 7 h 22 min
